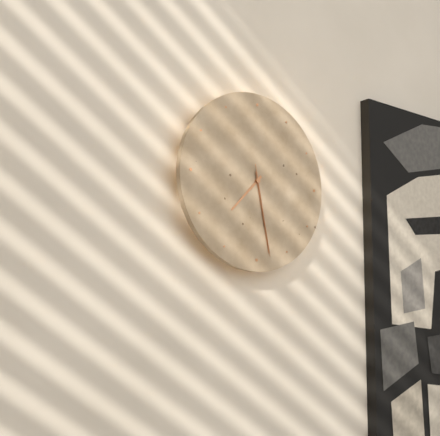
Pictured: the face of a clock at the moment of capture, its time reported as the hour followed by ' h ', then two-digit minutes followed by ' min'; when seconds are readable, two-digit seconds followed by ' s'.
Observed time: 7 h 28 min 28 s
